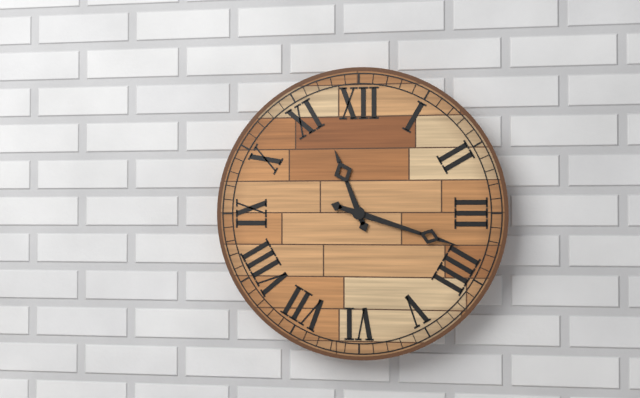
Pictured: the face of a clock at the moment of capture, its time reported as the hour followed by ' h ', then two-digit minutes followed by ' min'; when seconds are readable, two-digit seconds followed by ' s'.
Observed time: 11 h 18 min
